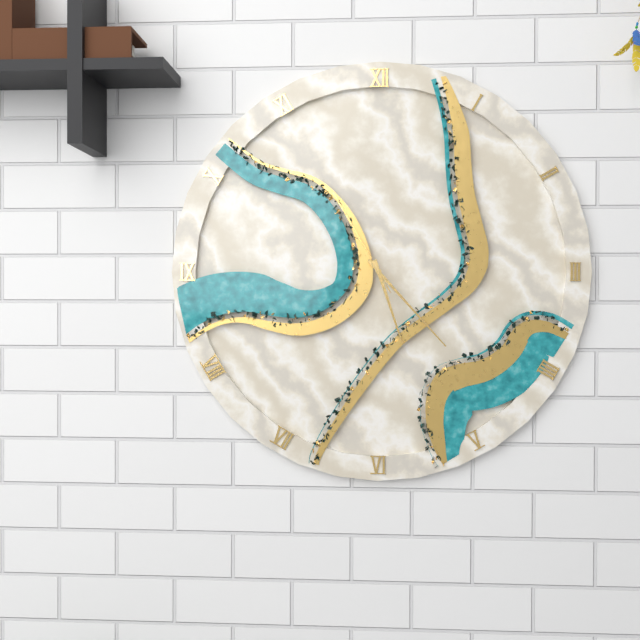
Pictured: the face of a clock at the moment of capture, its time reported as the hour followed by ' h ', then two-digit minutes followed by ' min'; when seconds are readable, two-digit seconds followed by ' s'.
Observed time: 5 h 23 min 55 s
